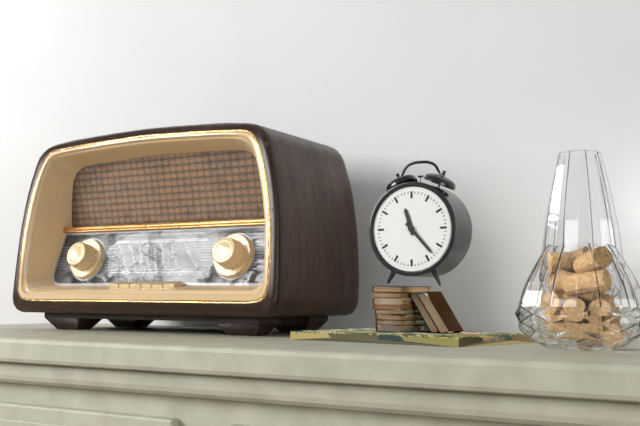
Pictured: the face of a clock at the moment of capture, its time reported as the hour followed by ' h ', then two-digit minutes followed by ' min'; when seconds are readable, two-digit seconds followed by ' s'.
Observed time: 11 h 23 min
